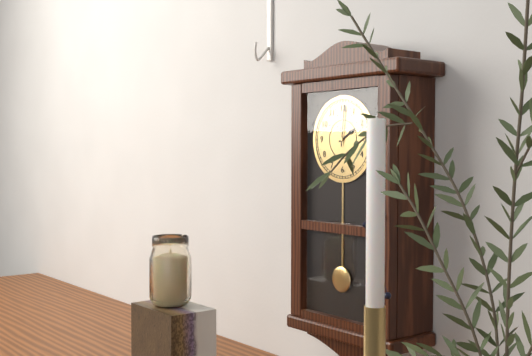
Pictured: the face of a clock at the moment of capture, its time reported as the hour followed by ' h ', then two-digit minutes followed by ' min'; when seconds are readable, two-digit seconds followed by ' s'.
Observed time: 2 h 01 min
